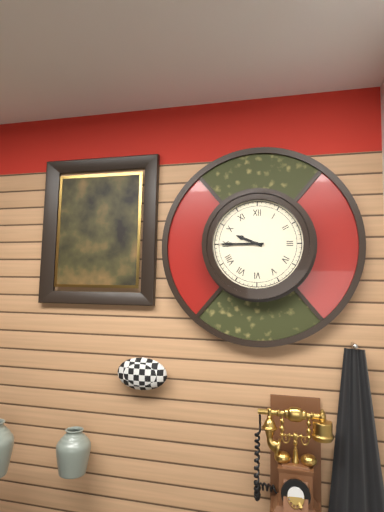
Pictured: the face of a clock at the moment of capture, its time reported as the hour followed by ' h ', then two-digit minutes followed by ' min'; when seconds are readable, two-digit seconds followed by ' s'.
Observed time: 9 h 45 min
